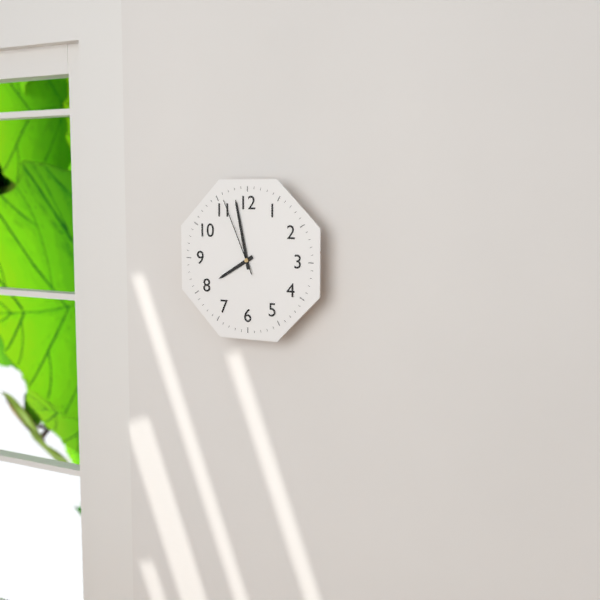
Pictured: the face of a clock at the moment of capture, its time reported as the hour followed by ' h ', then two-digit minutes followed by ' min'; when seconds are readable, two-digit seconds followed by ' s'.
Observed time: 7 h 58 min 56 s
